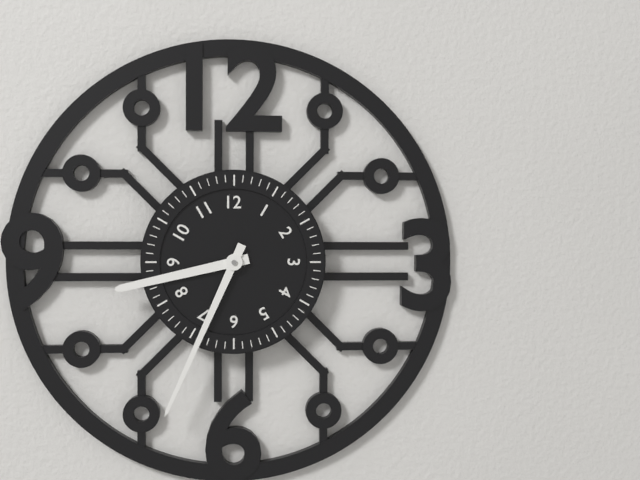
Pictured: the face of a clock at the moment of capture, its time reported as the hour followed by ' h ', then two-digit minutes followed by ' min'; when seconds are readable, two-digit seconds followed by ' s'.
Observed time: 8 h 34 min
